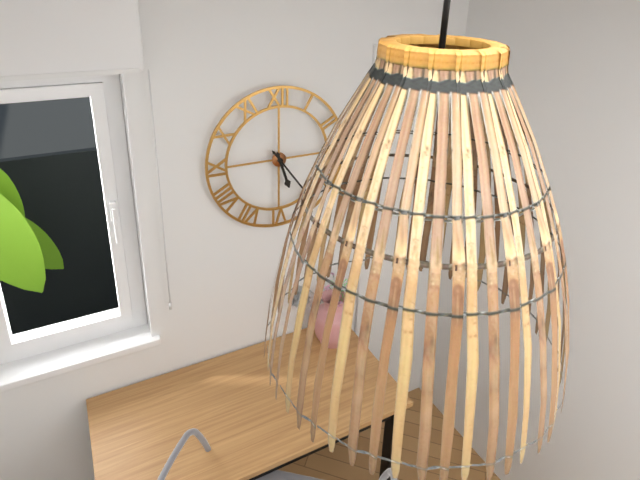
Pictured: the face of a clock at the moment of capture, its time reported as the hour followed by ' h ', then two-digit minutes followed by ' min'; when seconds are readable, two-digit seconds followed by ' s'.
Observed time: 5 h 24 min
